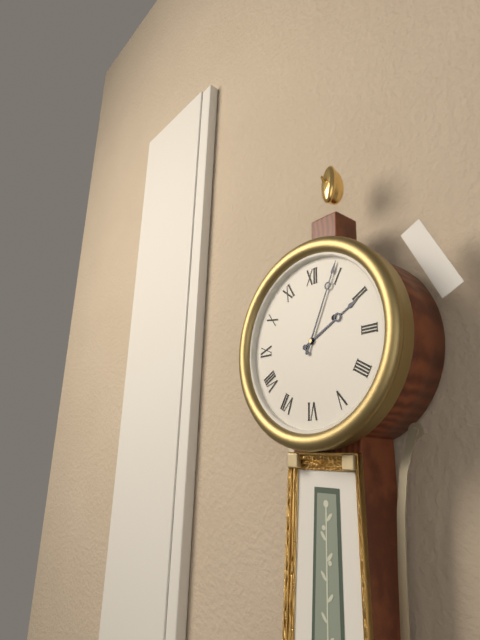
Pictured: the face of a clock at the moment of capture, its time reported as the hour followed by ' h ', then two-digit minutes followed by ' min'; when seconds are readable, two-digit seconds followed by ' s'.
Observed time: 2 h 04 min
